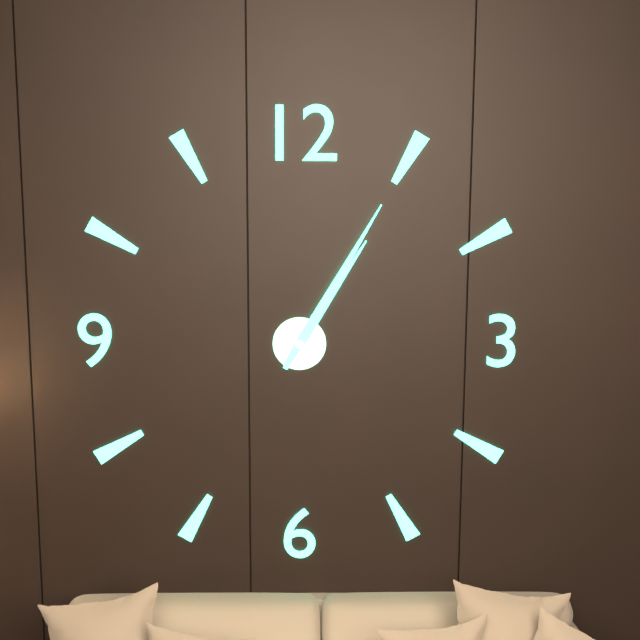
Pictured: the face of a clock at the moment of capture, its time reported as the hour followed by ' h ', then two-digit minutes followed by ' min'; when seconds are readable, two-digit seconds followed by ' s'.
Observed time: 1 h 05 min
